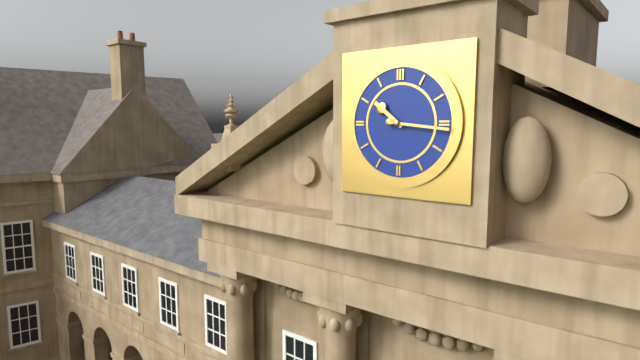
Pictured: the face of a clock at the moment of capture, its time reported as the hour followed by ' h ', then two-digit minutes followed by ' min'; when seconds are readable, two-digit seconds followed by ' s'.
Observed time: 10 h 16 min
